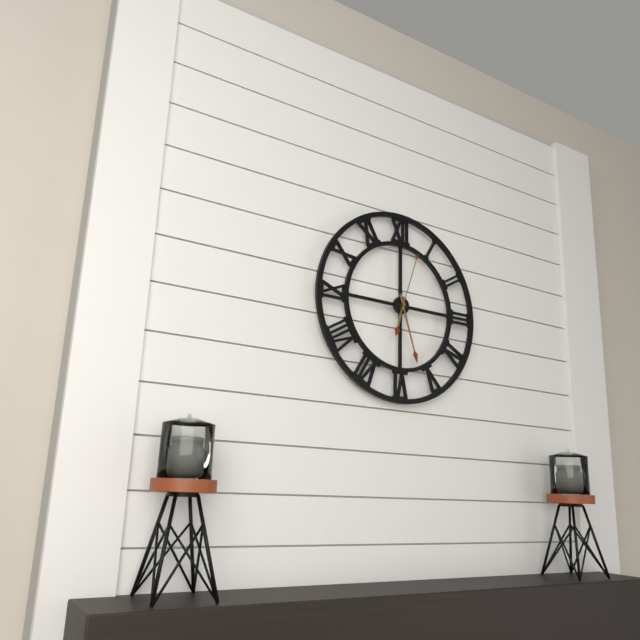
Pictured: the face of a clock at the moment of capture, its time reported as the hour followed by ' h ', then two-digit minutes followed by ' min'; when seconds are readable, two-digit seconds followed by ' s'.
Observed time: 6 h 27 min 03 s
